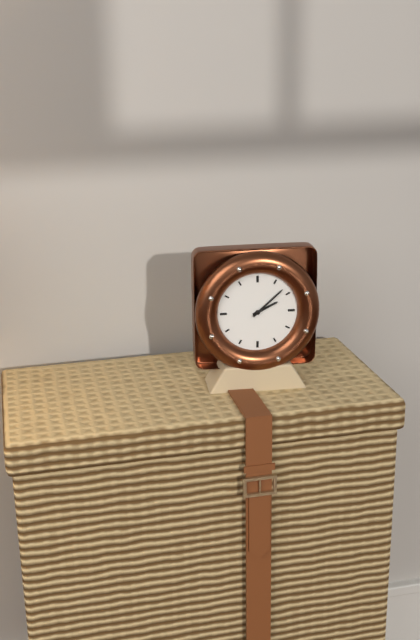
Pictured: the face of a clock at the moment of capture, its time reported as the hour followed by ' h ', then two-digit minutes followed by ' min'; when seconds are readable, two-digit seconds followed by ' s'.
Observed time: 2 h 08 min
